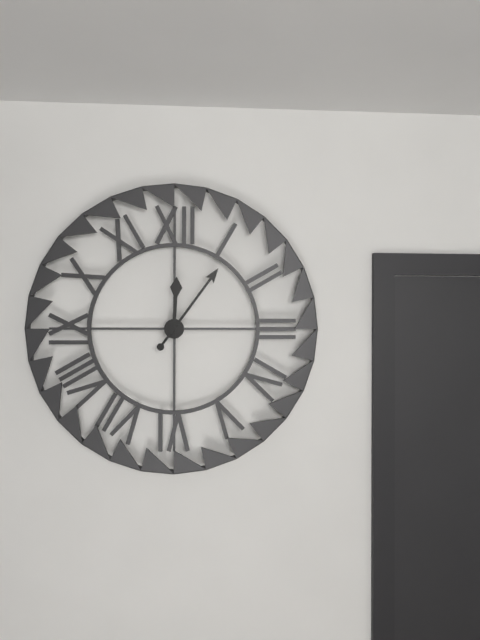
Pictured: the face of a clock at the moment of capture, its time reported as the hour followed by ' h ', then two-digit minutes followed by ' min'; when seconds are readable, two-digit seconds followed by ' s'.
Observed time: 12 h 06 min
